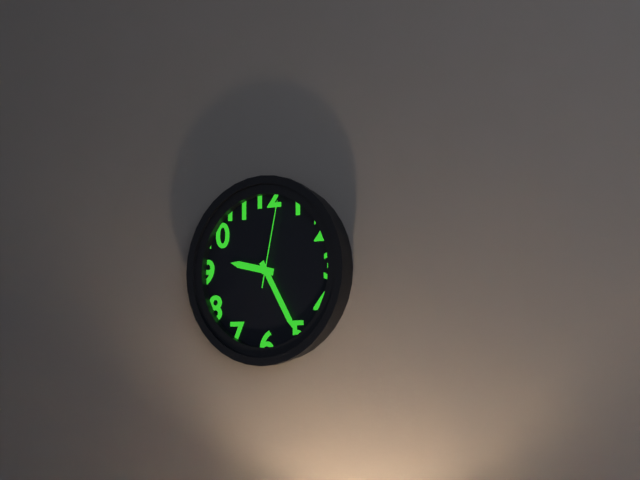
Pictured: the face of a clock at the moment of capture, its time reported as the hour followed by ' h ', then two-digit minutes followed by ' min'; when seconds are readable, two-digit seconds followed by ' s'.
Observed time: 9 h 25 min 02 s
